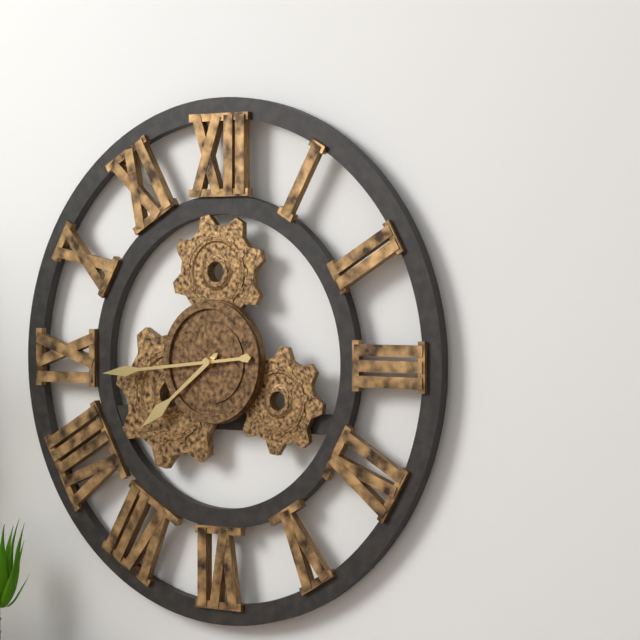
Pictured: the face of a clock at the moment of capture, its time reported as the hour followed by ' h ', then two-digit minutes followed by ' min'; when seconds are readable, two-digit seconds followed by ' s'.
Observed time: 7 h 44 min
